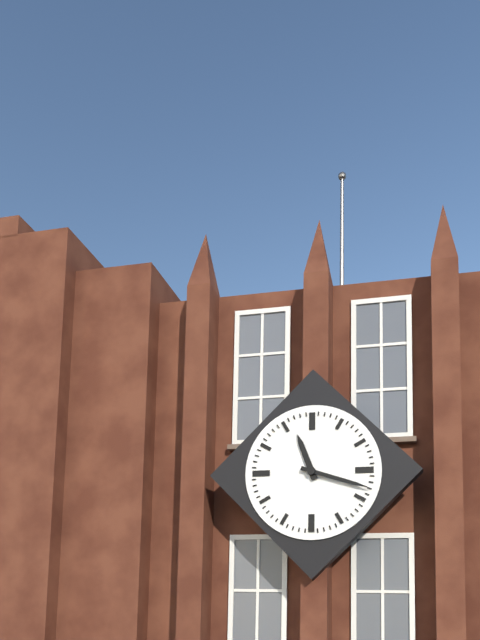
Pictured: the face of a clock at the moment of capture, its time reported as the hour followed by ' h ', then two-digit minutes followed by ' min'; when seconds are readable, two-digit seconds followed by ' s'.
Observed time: 11 h 18 min
